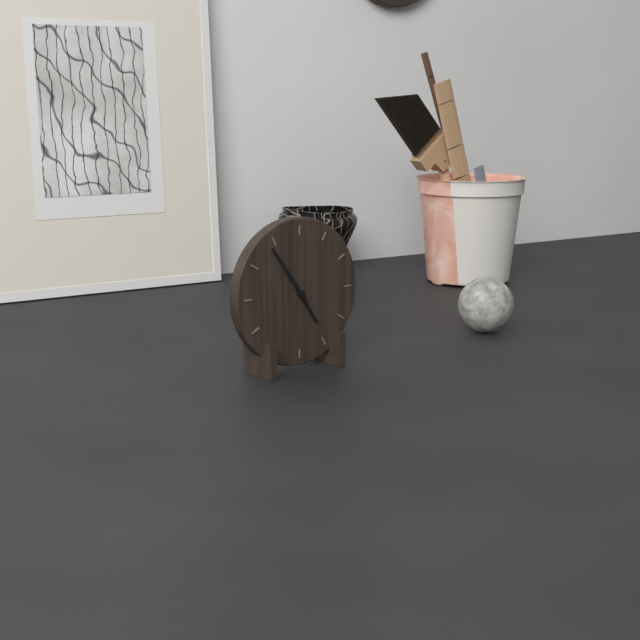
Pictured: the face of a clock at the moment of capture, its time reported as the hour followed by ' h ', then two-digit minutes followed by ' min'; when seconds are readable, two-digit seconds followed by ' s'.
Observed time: 4 h 54 min
